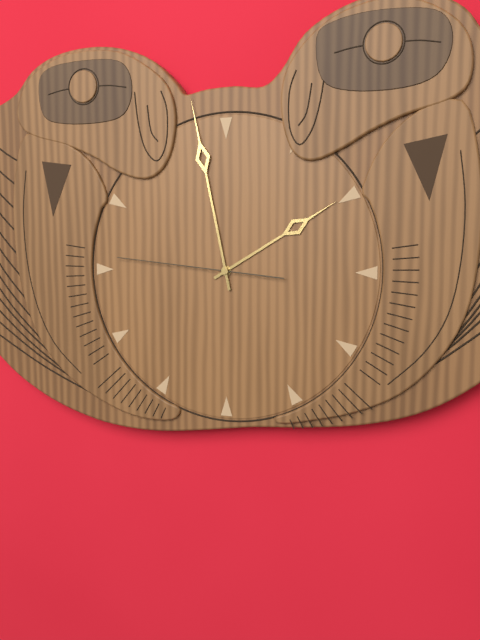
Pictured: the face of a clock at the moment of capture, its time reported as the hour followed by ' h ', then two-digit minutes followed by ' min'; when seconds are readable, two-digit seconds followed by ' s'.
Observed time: 1 h 58 min 46 s
